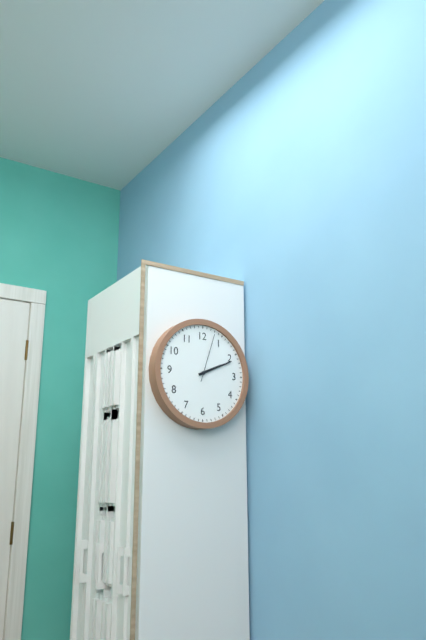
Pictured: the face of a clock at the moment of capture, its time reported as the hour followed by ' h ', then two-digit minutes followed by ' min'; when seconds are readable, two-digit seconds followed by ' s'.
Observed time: 2 h 11 min 03 s
